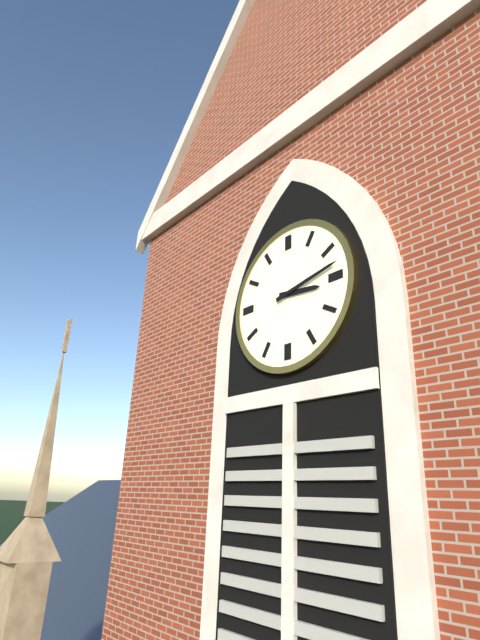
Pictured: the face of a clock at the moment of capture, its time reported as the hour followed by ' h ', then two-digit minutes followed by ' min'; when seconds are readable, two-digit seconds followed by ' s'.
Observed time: 3 h 13 min
